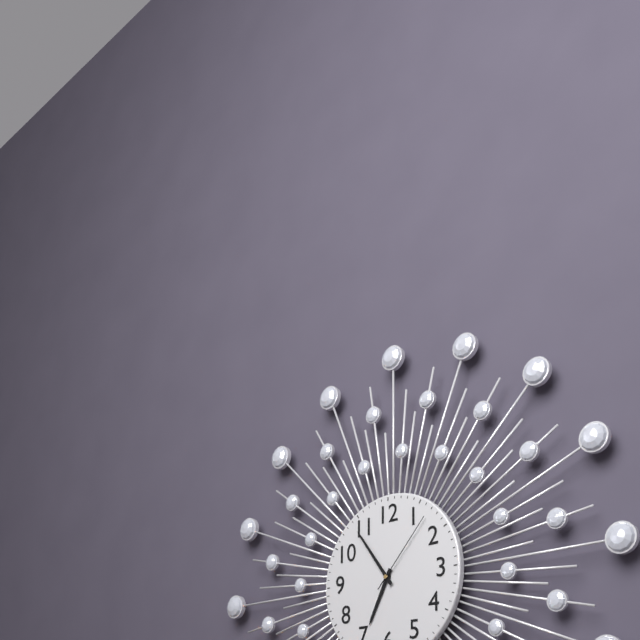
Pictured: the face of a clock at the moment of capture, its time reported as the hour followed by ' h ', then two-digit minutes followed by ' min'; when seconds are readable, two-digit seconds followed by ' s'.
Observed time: 6 h 54 min 07 s
